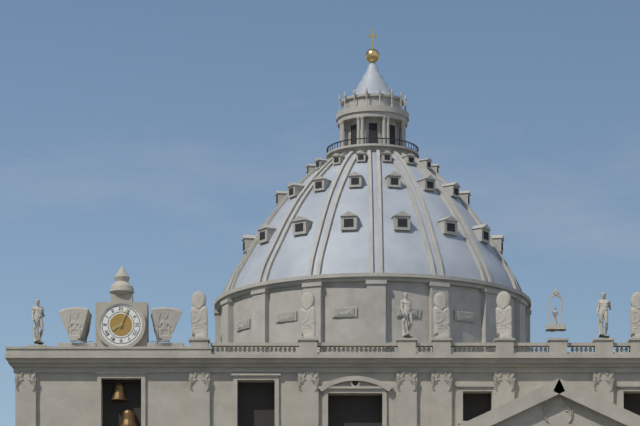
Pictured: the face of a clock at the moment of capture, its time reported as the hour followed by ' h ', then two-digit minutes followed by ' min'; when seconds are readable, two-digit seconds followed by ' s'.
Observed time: 8 h 04 min
